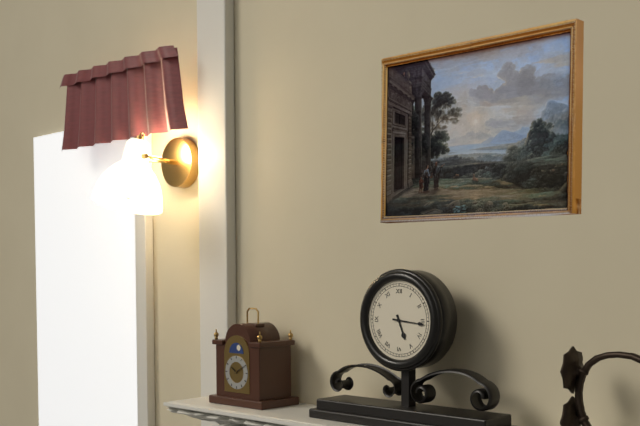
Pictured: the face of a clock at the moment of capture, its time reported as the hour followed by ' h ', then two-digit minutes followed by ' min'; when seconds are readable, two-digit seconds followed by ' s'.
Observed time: 5 h 16 min
